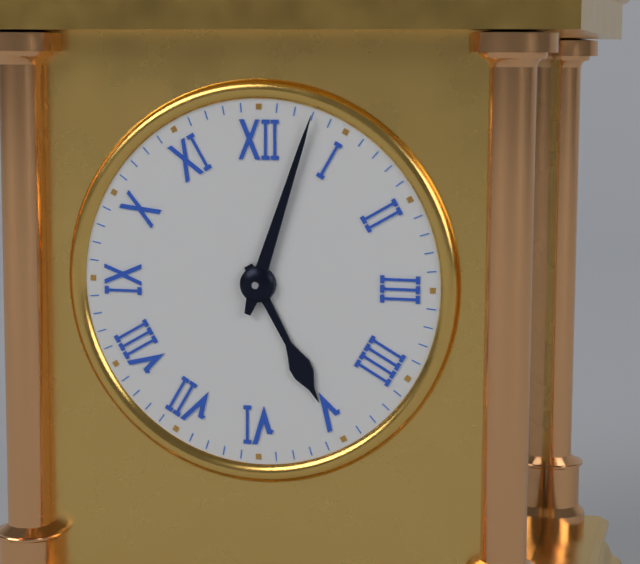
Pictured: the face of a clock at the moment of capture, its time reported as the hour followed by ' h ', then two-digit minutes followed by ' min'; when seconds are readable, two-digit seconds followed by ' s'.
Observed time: 5 h 03 min
